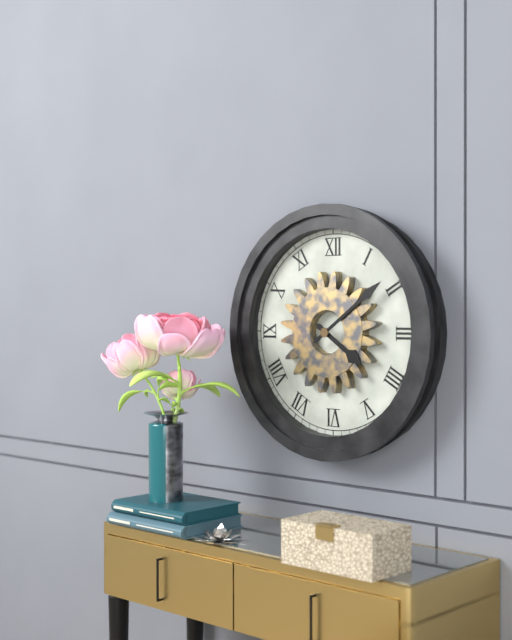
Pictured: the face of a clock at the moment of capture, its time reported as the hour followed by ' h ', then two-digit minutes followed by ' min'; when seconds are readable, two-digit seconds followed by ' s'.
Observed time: 4 h 09 min
